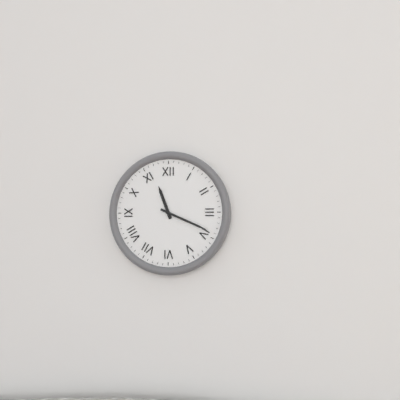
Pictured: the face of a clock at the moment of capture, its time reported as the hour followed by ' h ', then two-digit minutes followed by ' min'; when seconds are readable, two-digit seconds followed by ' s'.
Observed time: 11 h 19 min
